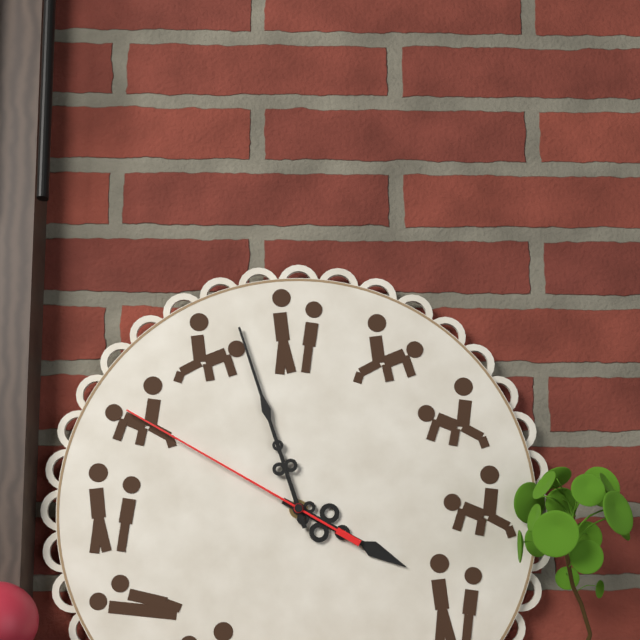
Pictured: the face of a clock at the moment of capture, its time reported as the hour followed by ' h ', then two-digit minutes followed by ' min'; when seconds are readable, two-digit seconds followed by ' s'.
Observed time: 3 h 57 min 50 s
